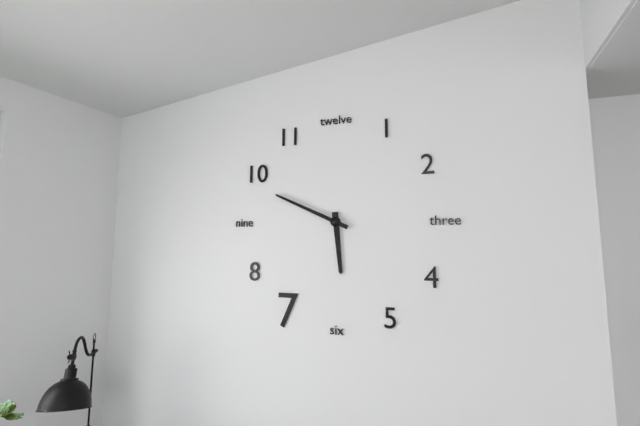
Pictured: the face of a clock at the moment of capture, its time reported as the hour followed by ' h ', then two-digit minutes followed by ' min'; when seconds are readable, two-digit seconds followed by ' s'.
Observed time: 5 h 49 min
